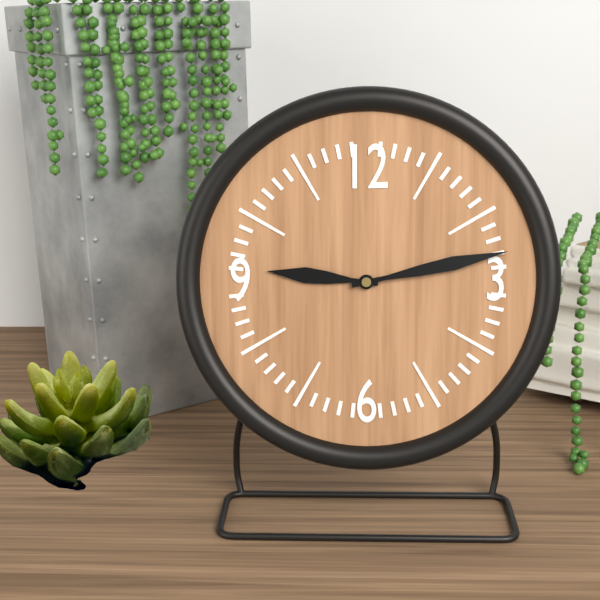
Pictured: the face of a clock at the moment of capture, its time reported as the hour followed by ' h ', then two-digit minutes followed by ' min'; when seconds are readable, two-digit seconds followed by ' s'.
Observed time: 9 h 13 min
